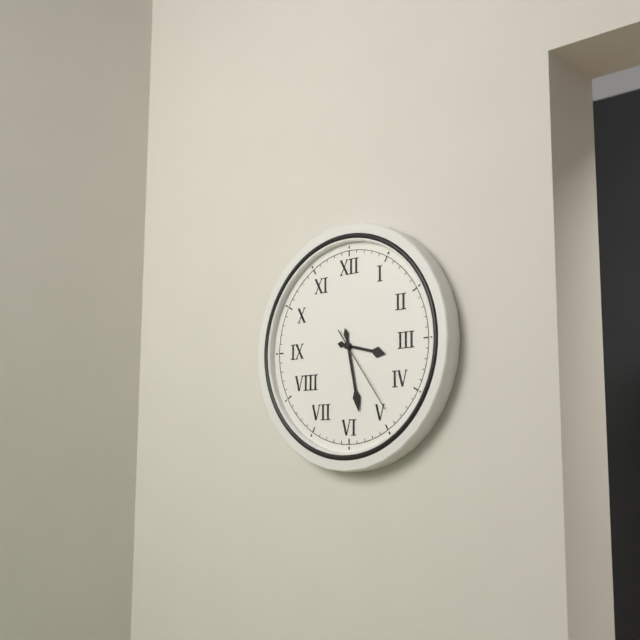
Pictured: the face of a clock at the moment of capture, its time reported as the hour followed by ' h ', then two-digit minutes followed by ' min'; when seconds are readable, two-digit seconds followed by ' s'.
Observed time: 3 h 28 min 24 s
